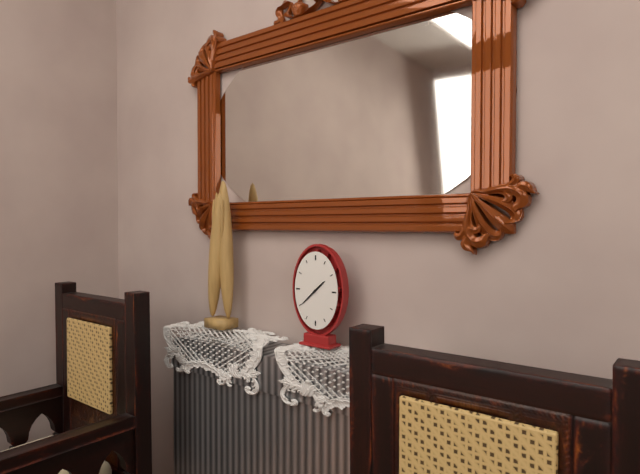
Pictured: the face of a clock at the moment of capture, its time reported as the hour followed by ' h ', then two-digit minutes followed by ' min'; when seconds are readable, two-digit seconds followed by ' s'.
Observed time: 1 h 38 min
